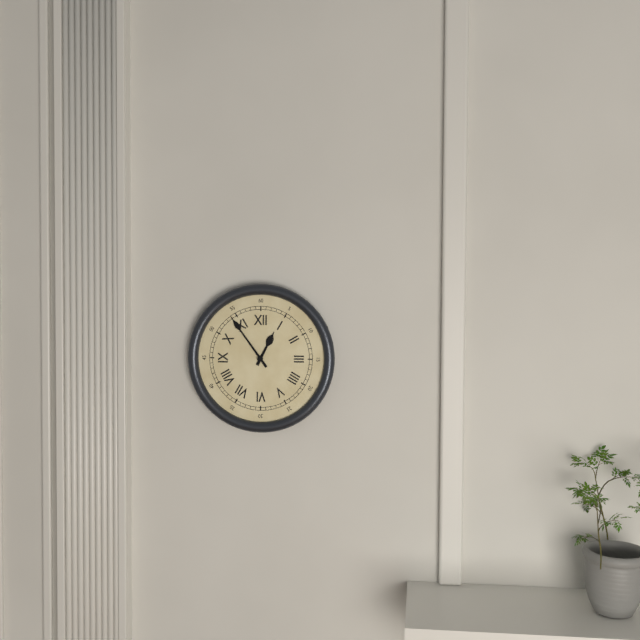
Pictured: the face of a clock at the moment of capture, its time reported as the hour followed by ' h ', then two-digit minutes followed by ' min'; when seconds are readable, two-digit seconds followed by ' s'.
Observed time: 12 h 54 min
